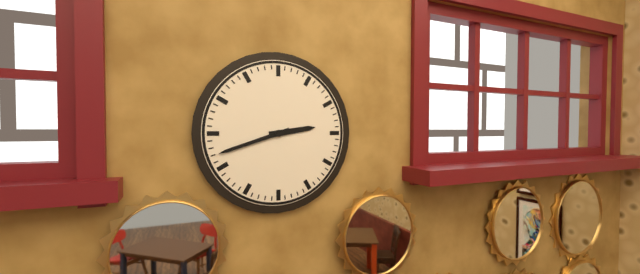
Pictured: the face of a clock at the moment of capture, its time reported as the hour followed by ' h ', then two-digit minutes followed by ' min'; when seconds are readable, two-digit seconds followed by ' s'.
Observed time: 2 h 42 min
